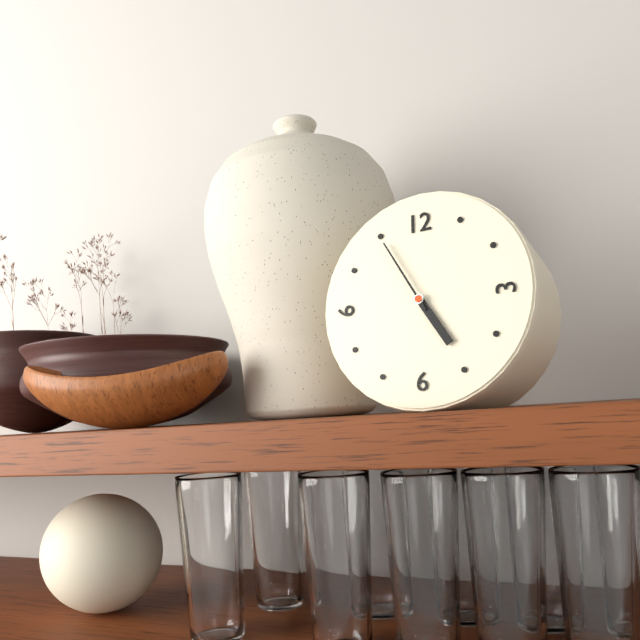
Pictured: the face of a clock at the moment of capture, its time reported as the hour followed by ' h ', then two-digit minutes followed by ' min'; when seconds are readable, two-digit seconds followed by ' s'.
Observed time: 4 h 55 min
